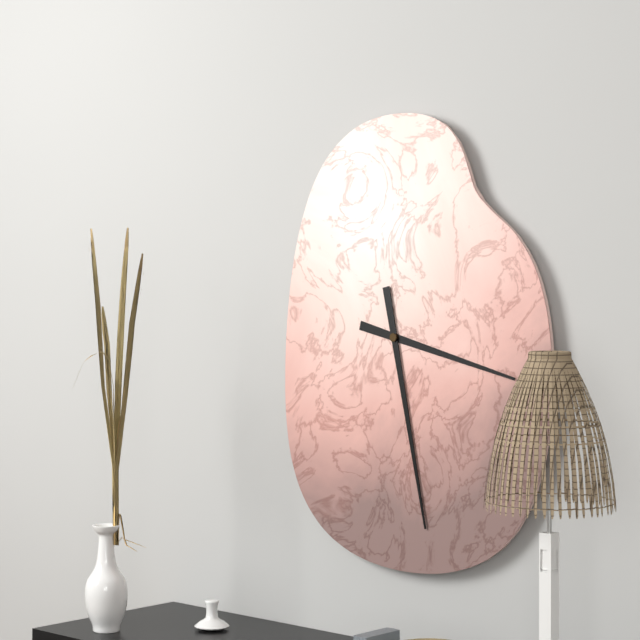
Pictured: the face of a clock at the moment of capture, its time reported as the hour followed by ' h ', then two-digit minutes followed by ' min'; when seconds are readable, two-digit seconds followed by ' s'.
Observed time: 3 h 28 min
